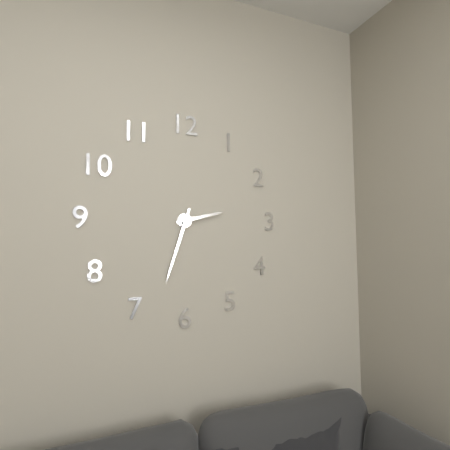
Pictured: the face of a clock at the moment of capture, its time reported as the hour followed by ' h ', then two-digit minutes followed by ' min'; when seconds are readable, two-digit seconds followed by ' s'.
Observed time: 2 h 33 min
